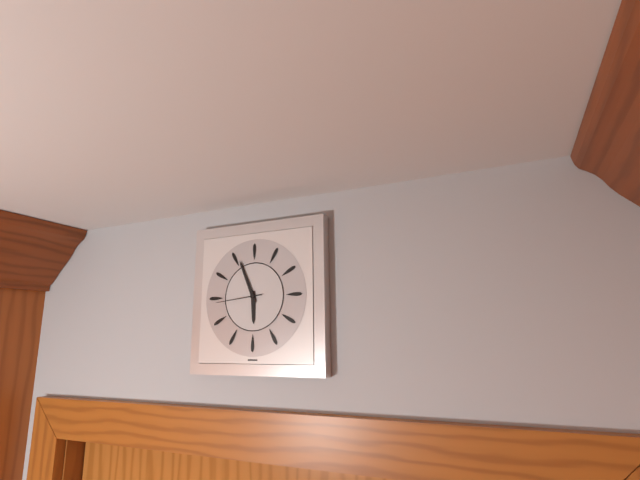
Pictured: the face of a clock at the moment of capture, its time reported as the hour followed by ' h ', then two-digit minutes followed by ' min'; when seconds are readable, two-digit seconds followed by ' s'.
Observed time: 5 h 56 min
